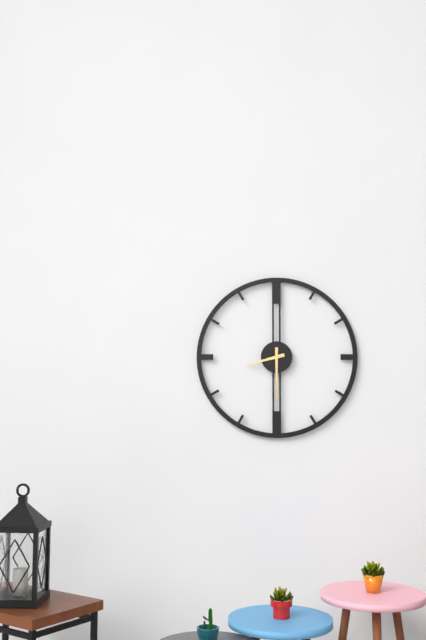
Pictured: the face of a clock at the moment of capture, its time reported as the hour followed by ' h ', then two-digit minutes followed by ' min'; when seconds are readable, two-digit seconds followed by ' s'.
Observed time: 8 h 30 min
